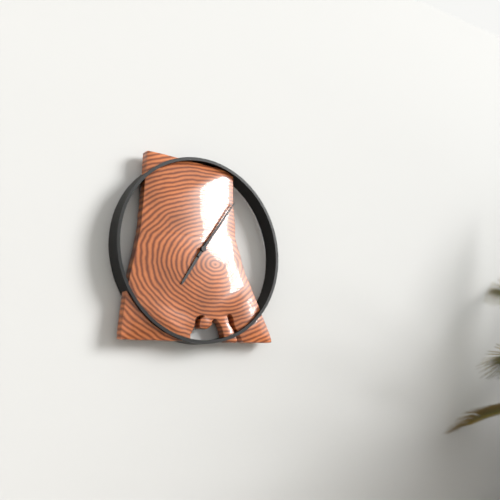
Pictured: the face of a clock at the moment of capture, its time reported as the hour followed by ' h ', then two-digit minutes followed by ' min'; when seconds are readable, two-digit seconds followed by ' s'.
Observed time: 7 h 06 min
